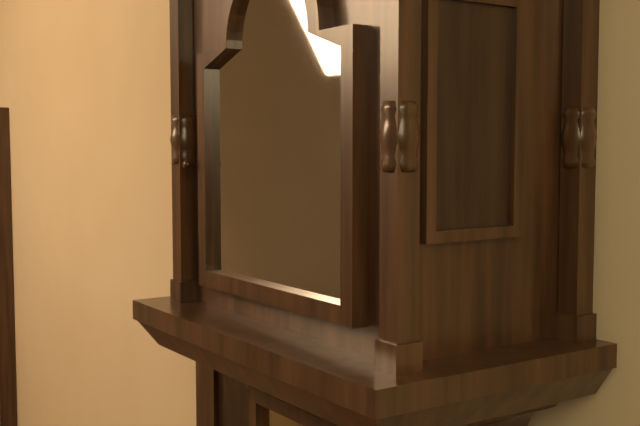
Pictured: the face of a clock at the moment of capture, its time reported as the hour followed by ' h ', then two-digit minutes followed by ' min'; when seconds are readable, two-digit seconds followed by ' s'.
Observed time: 9 h 20 min
